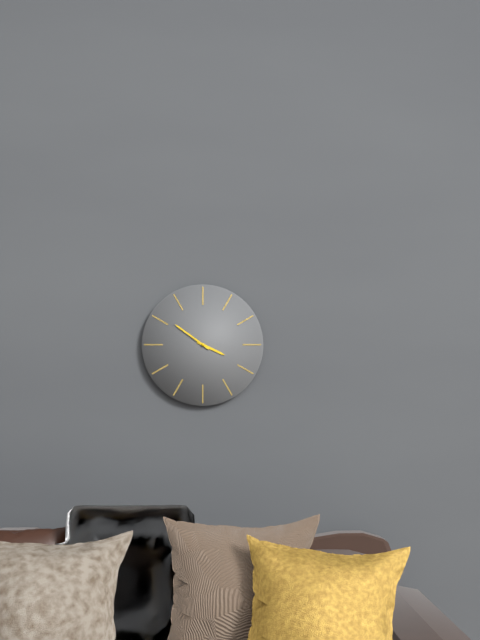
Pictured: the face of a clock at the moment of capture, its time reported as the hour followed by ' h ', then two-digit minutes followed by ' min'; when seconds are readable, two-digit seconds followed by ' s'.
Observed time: 3 h 51 min
